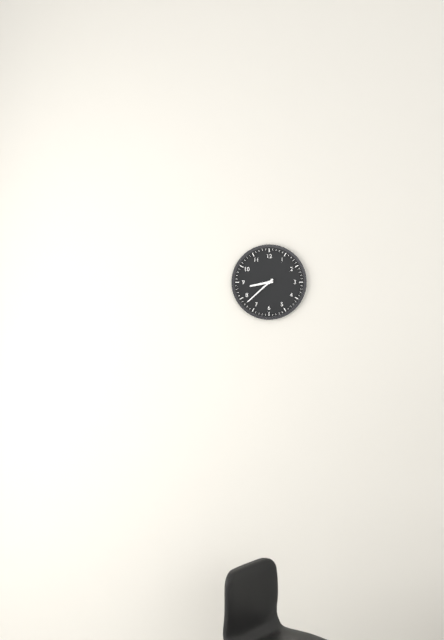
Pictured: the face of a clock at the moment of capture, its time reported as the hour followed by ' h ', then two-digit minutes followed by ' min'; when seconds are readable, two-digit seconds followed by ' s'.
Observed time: 8 h 38 min
